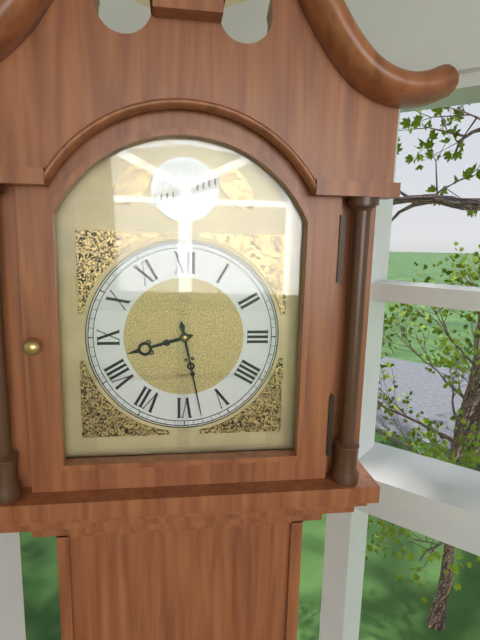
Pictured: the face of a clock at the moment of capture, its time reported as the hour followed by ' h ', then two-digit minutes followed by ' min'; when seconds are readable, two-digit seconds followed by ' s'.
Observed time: 8 h 28 min
